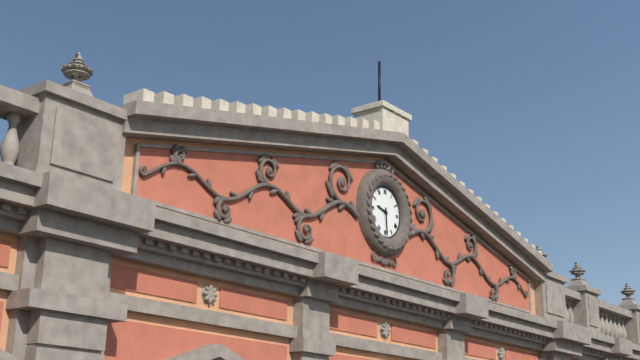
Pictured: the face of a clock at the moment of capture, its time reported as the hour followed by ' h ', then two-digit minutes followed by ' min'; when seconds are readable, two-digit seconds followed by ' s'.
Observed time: 9 h 29 min
